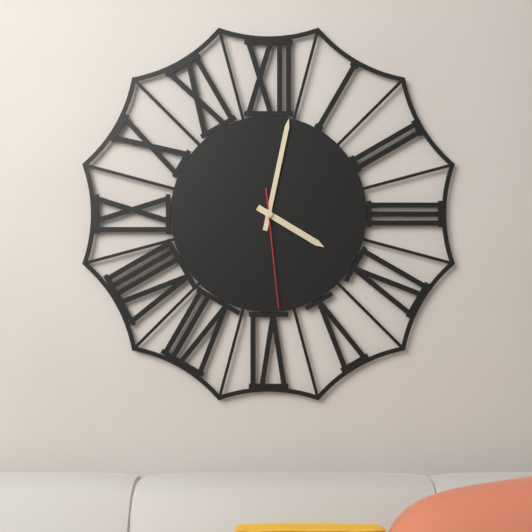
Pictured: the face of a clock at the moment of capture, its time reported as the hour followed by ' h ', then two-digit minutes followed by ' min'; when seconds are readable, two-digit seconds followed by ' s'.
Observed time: 4 h 02 min 29 s
